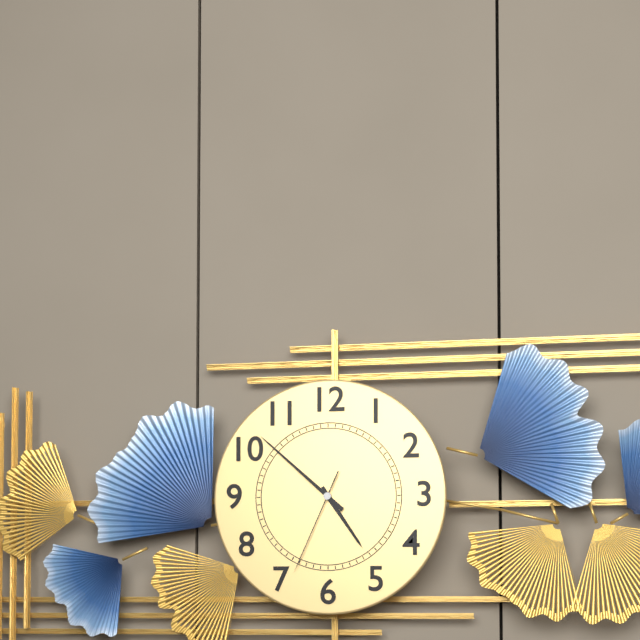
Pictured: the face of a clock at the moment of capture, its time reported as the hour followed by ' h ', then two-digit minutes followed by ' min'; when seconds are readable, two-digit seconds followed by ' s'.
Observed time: 4 h 52 min 34 s
